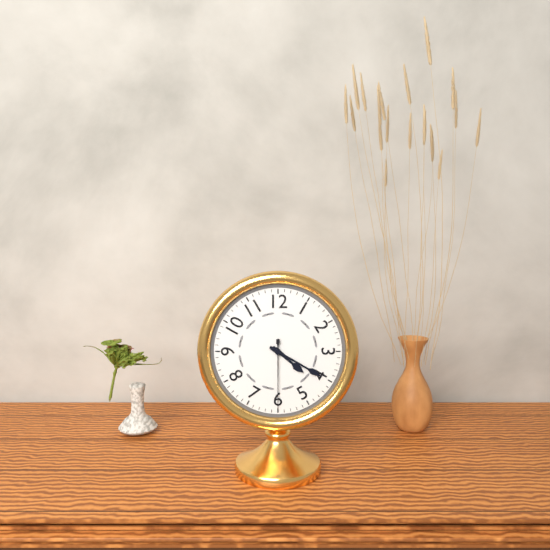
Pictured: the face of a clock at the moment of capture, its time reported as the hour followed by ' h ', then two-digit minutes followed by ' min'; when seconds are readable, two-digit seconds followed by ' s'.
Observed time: 4 h 20 min 30 s
